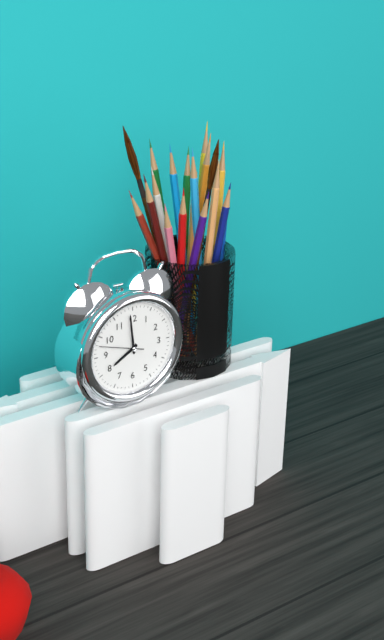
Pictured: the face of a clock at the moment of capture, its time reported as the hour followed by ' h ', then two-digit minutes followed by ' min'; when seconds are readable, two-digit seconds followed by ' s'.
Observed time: 7 h 59 min
